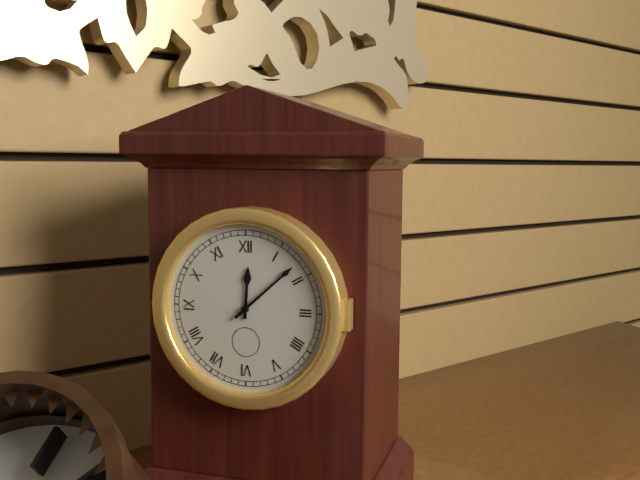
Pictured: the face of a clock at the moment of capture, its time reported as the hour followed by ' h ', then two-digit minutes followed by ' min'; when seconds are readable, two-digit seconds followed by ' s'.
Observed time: 12 h 08 min
